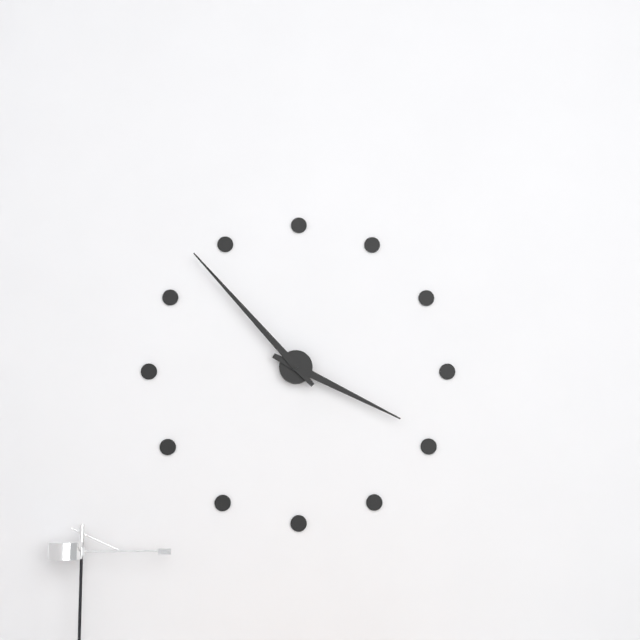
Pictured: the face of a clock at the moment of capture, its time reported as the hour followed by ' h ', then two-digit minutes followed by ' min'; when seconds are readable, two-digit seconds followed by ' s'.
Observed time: 3 h 53 min
